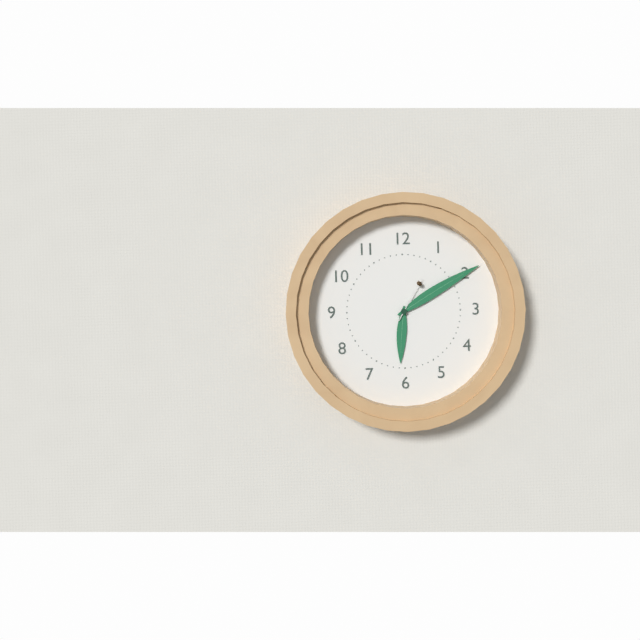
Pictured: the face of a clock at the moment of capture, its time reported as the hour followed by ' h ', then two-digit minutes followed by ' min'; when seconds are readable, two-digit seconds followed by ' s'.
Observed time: 6 h 10 min
